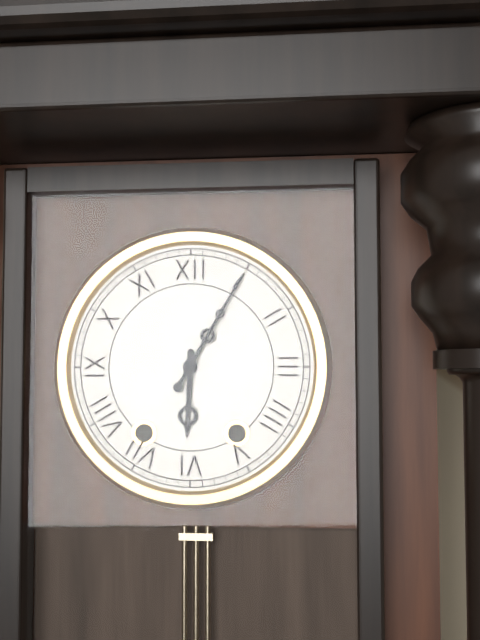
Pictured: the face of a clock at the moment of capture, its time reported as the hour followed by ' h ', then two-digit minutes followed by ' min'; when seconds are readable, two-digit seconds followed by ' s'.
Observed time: 6 h 05 min
